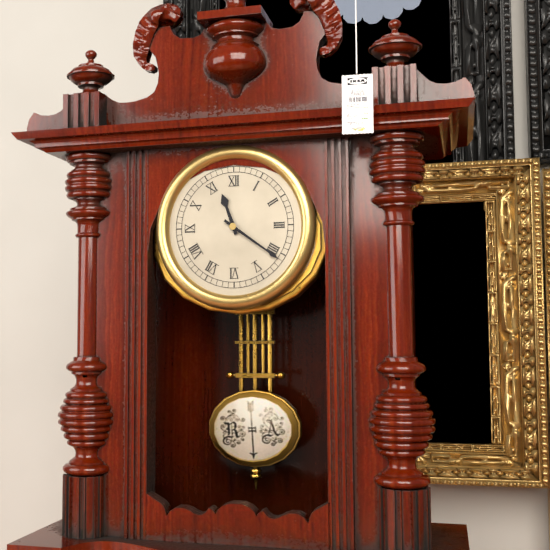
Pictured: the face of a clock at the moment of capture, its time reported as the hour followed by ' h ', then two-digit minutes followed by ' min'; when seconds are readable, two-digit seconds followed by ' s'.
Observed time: 11 h 21 min
